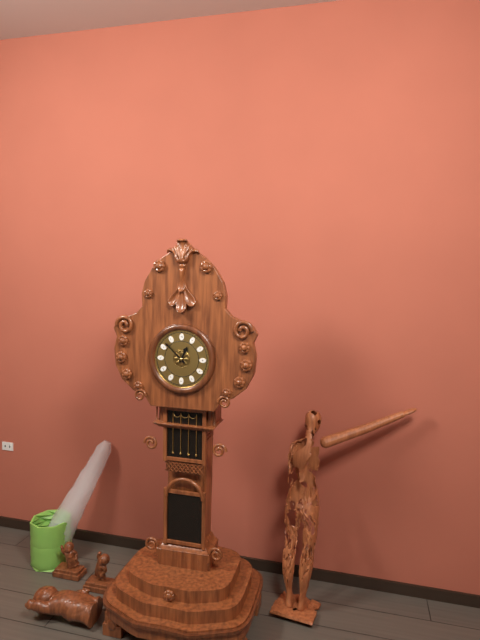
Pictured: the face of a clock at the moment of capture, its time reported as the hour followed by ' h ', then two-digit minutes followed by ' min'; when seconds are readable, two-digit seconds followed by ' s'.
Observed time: 12 h 52 min
